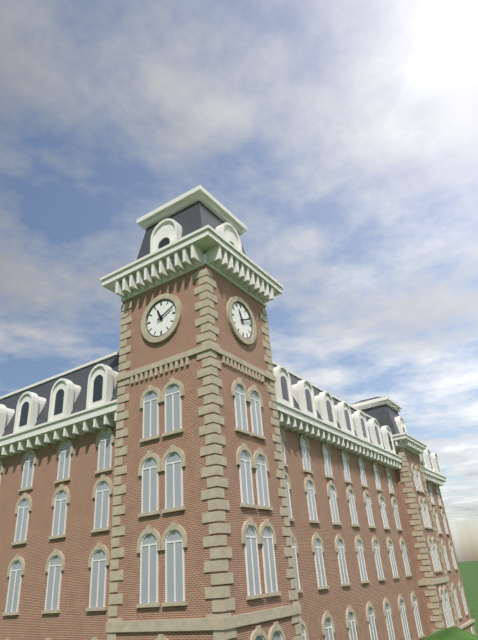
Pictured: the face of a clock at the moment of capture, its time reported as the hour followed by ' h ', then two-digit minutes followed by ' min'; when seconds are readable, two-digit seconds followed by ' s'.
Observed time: 11 h 11 min
